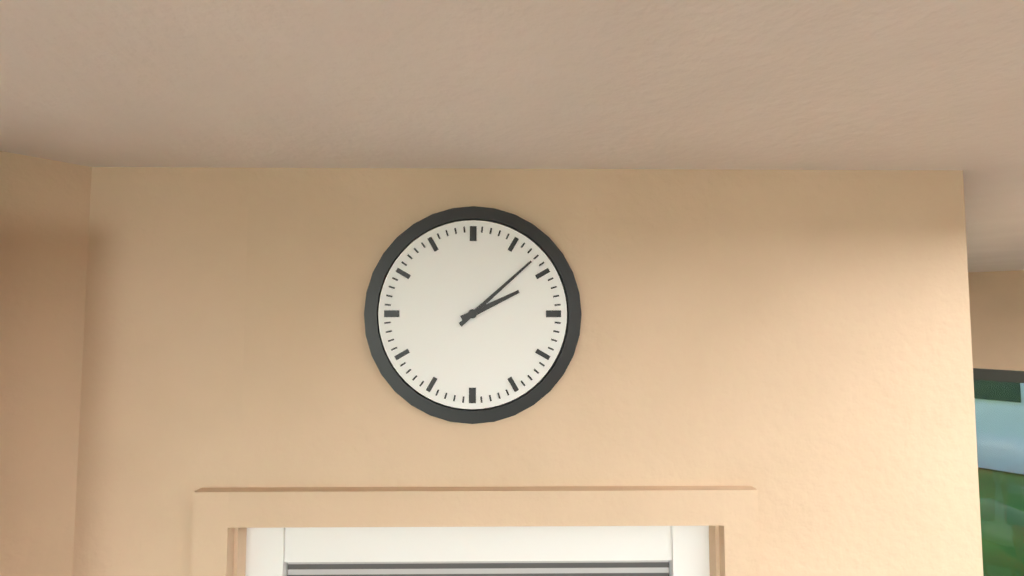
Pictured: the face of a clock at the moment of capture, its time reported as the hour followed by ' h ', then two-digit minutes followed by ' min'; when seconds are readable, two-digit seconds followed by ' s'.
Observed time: 2 h 08 min
